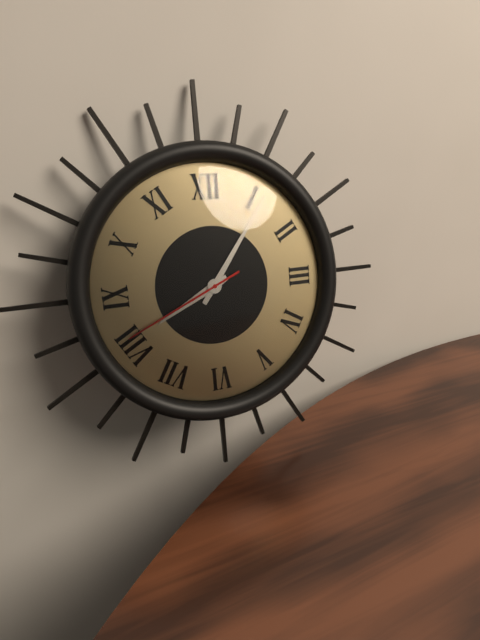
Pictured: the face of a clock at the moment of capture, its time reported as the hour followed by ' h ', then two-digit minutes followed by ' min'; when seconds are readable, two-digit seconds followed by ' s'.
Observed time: 8 h 06 min 41 s
